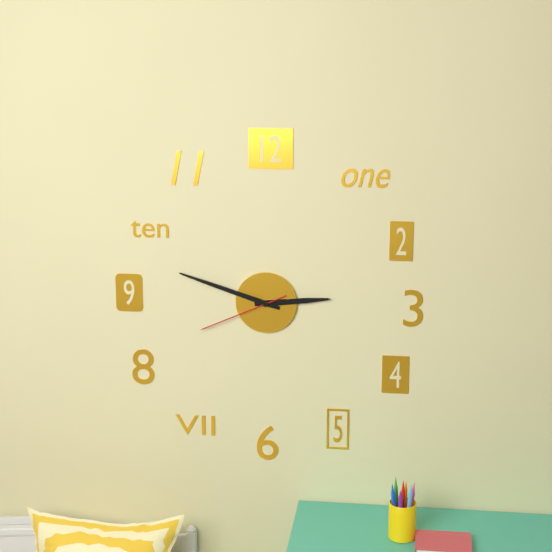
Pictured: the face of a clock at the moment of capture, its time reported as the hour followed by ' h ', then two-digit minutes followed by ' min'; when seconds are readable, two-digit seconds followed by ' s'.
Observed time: 2 h 48 min 41 s
